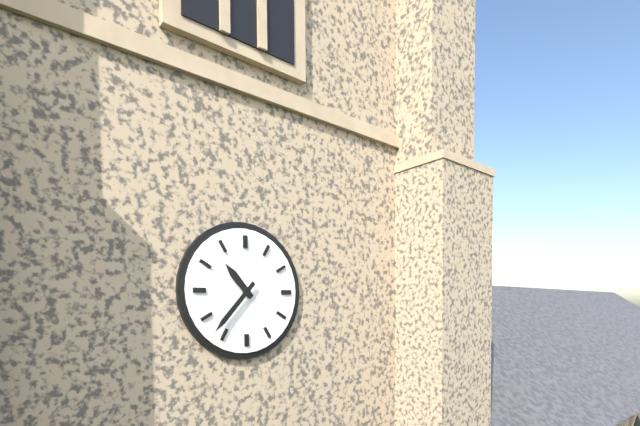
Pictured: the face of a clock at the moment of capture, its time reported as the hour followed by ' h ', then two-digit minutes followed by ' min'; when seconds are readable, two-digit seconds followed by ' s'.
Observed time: 10 h 37 min
